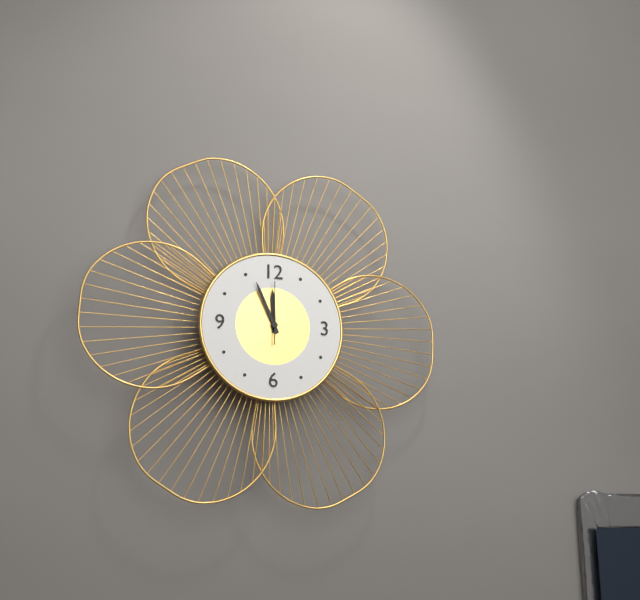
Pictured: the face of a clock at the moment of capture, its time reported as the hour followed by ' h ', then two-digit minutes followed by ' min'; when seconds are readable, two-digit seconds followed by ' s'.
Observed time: 11 h 56 min 00 s
